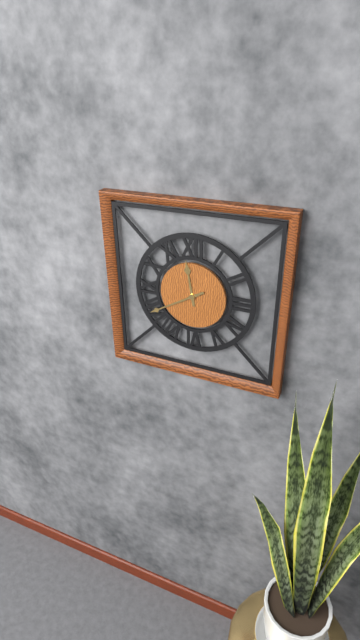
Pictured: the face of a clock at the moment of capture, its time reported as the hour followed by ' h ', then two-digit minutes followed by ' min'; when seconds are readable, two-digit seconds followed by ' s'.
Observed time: 11 h 40 min
